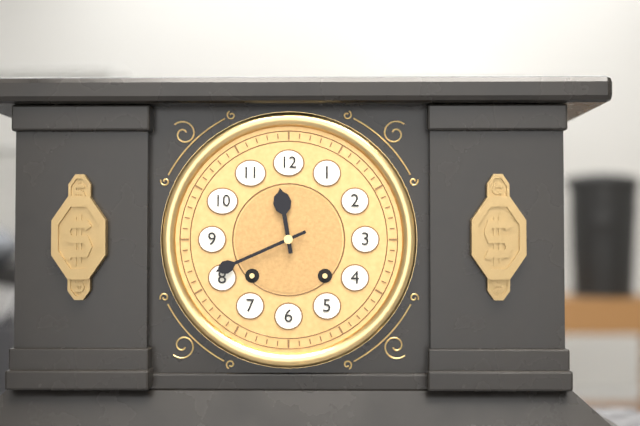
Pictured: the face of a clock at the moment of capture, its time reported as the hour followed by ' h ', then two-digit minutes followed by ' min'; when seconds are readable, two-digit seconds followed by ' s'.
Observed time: 11 h 41 min
